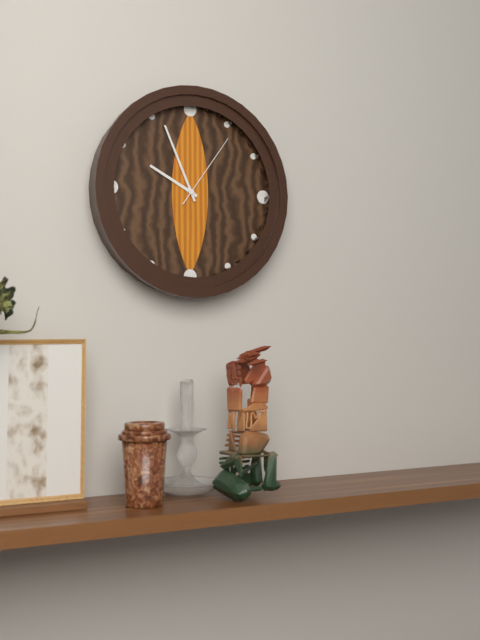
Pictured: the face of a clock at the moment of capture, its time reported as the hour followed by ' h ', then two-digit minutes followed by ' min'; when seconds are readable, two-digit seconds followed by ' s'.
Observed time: 9 h 56 min 06 s
